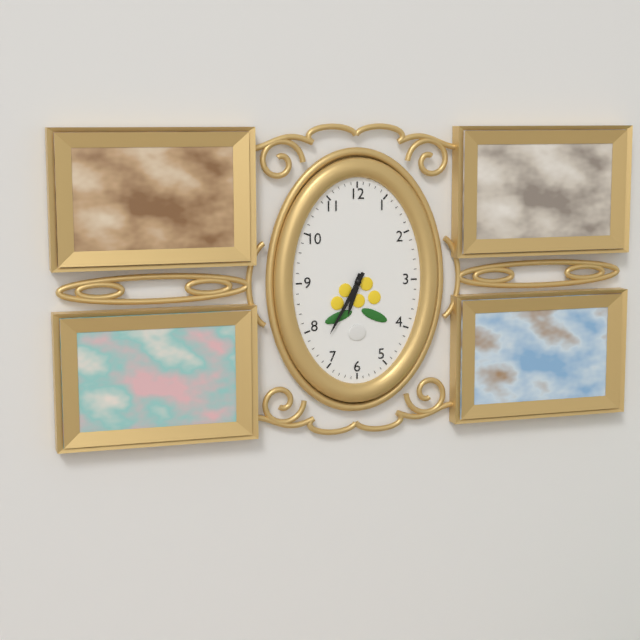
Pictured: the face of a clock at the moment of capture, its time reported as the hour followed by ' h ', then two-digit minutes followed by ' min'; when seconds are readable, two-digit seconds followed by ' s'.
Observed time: 6 h 35 min
